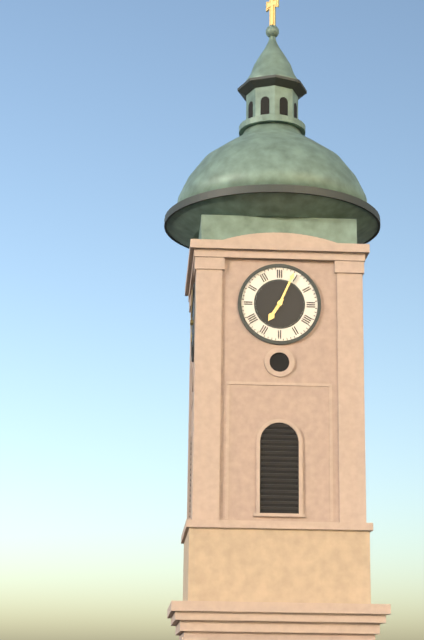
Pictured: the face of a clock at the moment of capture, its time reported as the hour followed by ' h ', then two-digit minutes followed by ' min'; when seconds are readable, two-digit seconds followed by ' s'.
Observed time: 7 h 04 min
